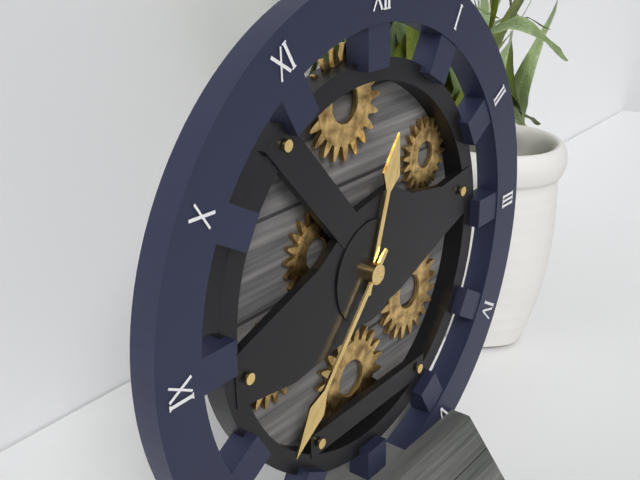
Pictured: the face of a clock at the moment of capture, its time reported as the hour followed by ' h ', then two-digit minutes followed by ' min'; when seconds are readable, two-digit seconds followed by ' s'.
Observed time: 12 h 37 min
